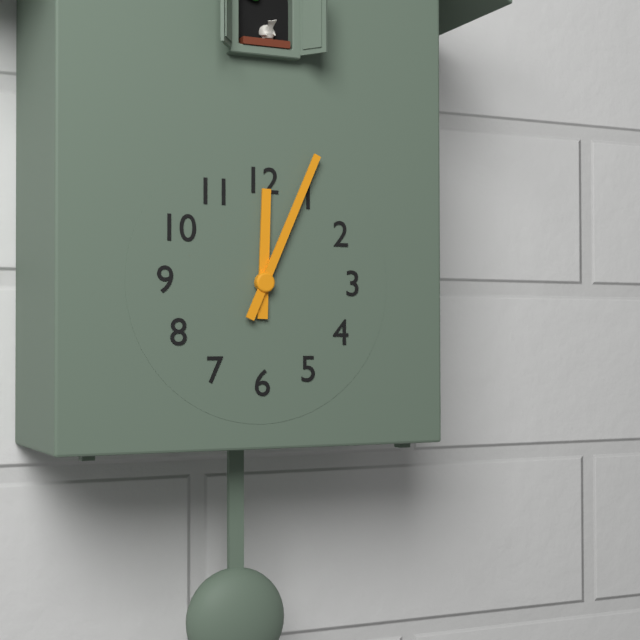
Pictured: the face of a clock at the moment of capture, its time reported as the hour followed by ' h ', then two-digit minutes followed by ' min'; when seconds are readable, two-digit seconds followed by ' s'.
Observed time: 12 h 04 min
